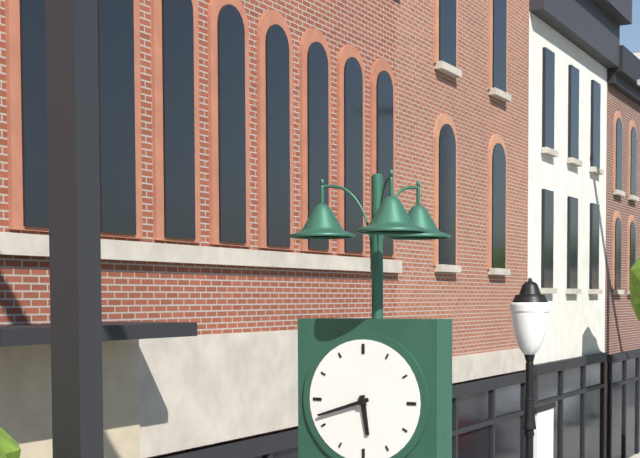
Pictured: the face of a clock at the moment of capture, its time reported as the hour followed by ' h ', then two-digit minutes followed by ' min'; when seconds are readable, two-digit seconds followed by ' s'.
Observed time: 5 h 42 min
